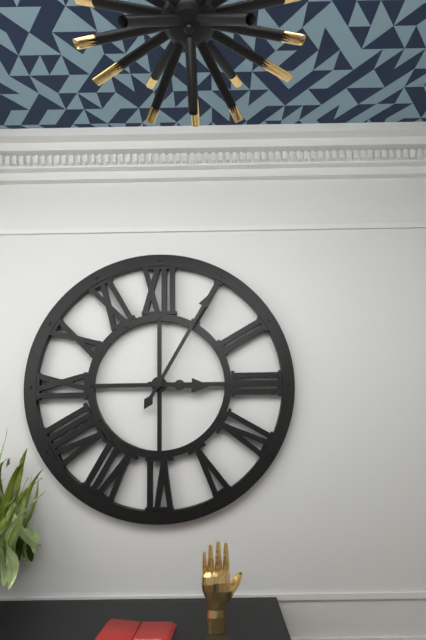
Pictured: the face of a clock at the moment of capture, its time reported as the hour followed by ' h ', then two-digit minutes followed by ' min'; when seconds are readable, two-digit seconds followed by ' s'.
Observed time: 3 h 05 min
